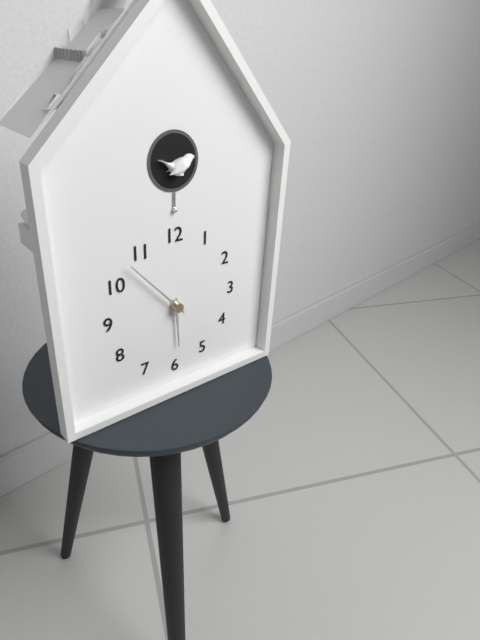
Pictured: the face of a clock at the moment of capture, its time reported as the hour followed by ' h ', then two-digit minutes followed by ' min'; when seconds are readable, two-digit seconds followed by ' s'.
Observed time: 5 h 53 min
